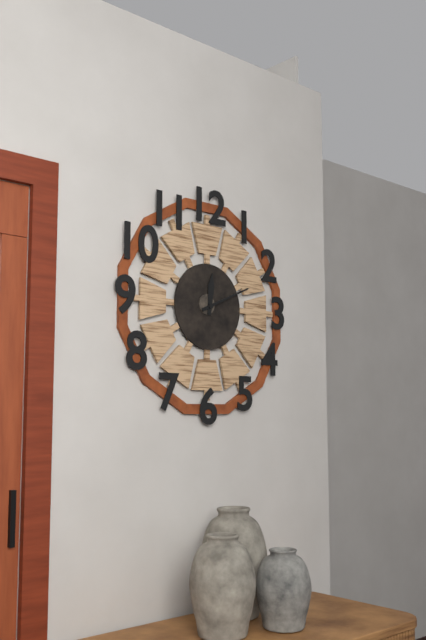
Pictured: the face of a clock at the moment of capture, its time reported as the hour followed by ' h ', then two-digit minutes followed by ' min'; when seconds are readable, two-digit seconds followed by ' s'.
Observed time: 12 h 11 min
